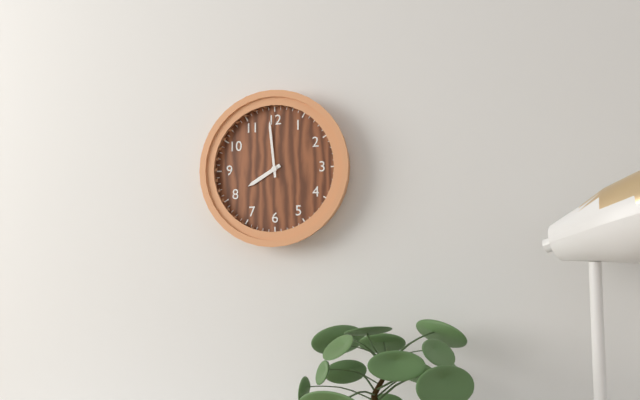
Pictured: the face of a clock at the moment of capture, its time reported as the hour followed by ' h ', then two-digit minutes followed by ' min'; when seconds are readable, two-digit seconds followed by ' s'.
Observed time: 7 h 59 min
